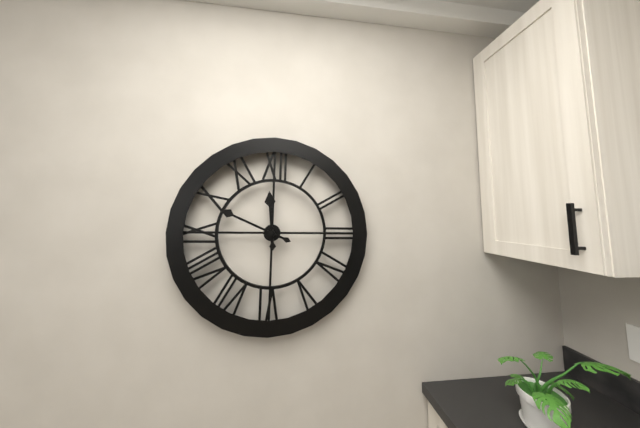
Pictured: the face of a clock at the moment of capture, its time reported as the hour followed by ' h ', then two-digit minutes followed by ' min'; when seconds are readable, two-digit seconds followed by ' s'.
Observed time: 11 h 49 min
